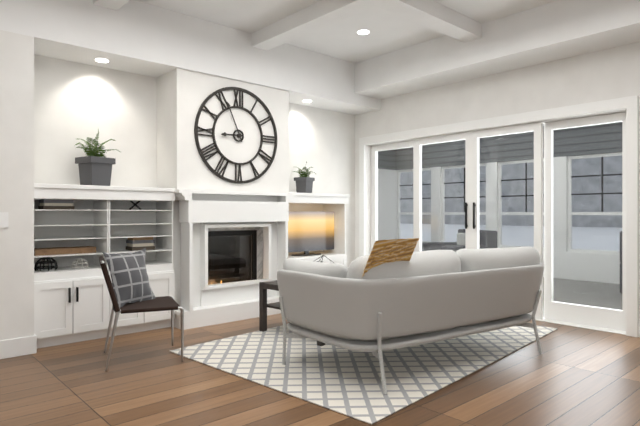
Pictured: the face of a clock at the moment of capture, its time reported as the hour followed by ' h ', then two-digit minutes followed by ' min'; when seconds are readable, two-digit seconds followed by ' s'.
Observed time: 8 h 56 min
